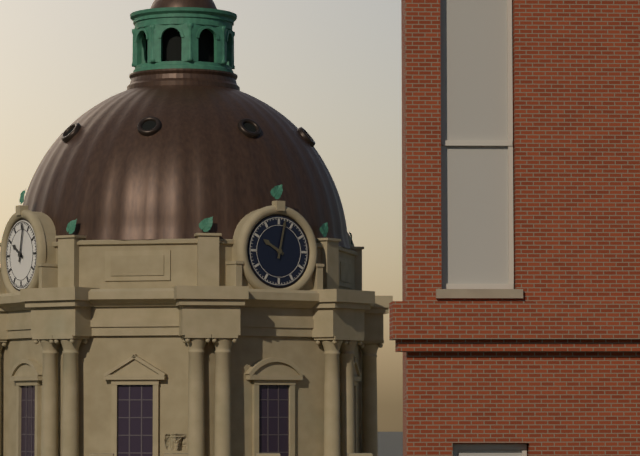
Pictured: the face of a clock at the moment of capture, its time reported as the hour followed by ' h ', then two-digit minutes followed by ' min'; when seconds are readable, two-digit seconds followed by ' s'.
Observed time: 10 h 02 min
